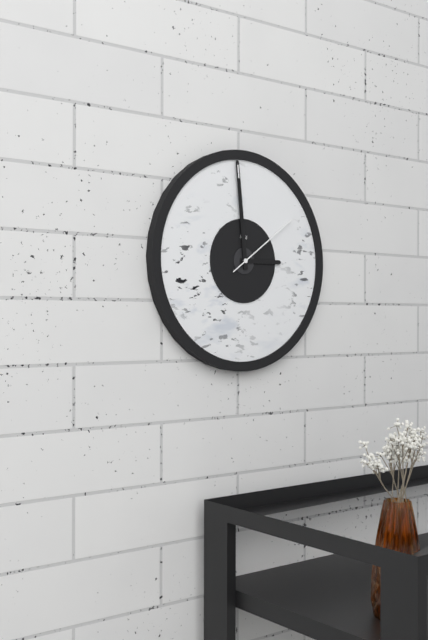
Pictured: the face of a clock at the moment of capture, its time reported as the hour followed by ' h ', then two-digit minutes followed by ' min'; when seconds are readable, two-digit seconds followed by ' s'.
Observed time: 2 h 59 min 09 s
